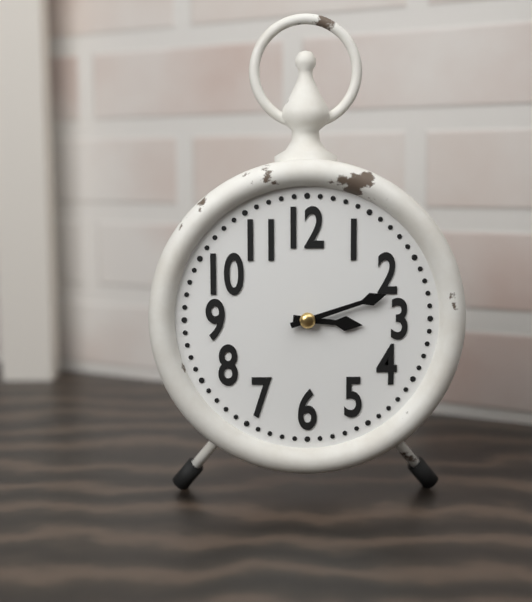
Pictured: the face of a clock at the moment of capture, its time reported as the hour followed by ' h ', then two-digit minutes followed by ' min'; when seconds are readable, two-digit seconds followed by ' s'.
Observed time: 3 h 12 min
